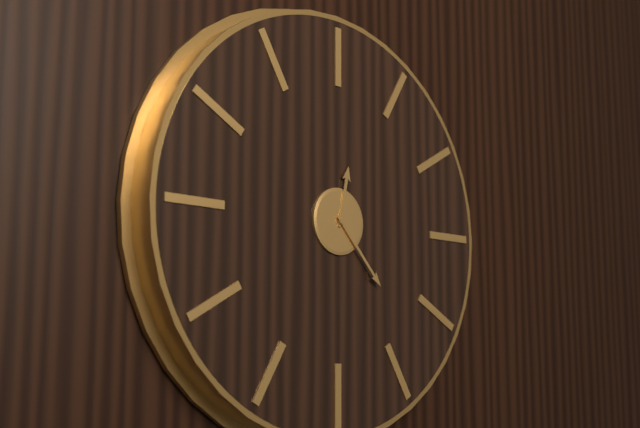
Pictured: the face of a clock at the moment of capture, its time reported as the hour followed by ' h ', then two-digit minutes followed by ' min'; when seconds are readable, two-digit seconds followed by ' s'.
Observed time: 12 h 23 min
